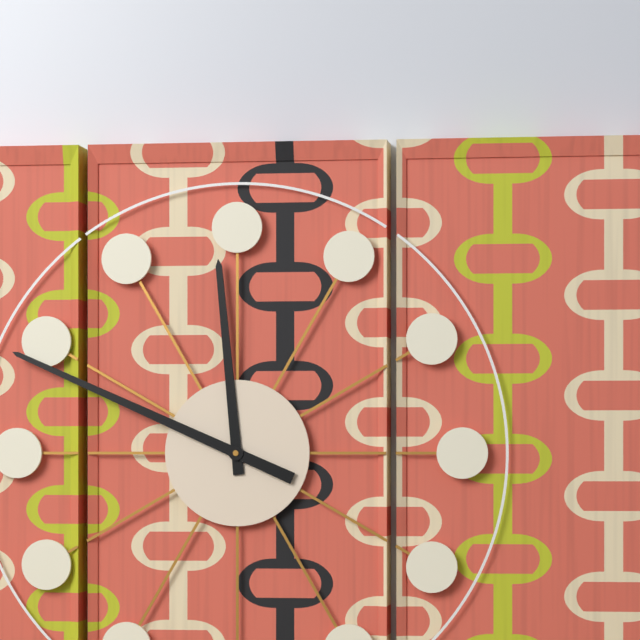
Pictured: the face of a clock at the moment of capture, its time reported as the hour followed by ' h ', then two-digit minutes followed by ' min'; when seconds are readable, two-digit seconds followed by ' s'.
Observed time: 11 h 49 min
